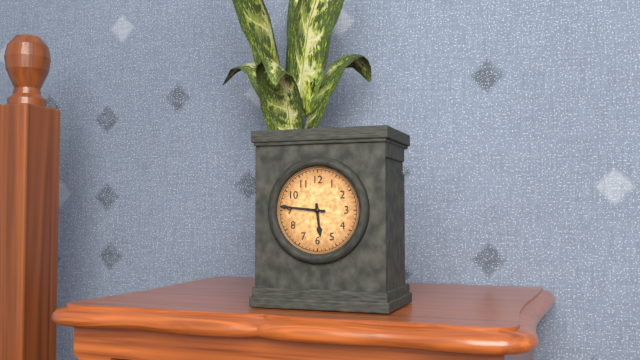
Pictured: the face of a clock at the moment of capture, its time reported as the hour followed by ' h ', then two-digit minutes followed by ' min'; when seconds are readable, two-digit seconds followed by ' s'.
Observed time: 5 h 46 min
